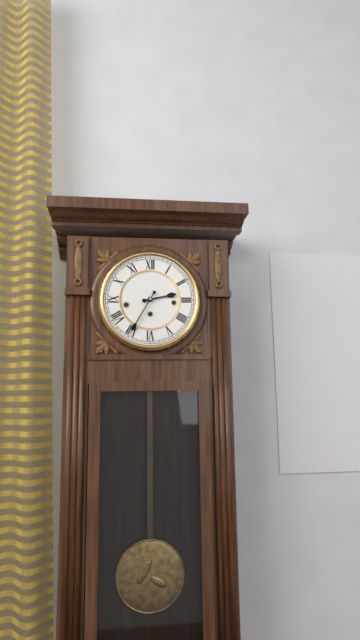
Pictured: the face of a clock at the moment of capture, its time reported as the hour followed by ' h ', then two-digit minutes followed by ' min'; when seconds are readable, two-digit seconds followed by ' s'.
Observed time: 2 h 35 min
